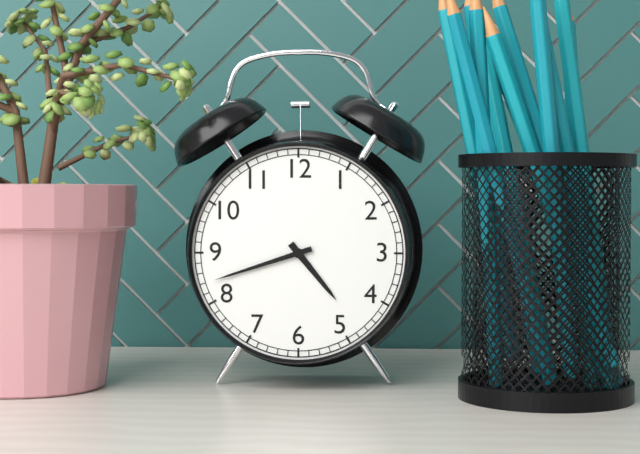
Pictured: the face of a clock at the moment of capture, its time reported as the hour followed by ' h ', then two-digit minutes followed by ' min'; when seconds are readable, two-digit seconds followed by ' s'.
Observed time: 4 h 42 min
